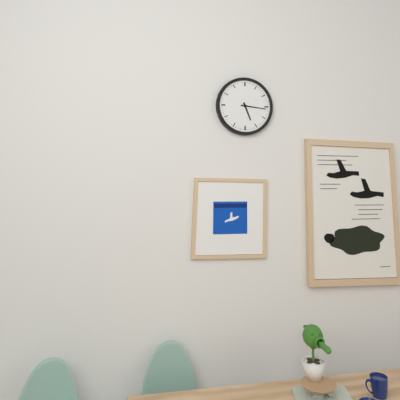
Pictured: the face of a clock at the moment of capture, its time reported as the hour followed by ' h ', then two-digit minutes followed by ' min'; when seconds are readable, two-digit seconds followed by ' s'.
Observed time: 5 h 16 min
